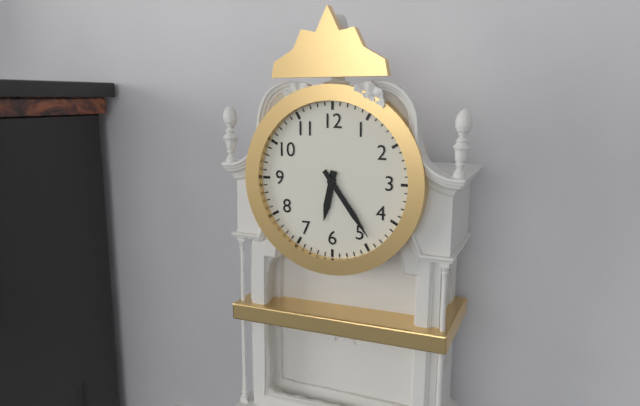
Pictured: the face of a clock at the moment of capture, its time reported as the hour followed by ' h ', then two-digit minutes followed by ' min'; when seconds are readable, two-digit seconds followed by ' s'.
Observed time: 6 h 24 min
